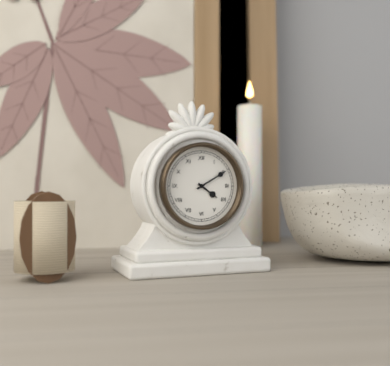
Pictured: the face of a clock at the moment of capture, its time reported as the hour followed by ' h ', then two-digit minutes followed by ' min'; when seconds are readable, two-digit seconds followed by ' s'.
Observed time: 4 h 10 min
